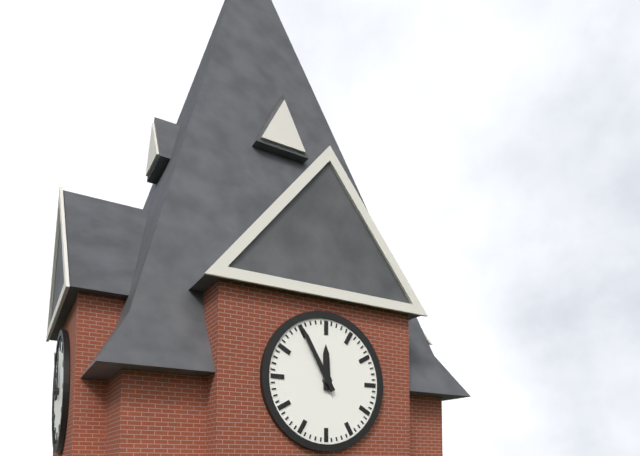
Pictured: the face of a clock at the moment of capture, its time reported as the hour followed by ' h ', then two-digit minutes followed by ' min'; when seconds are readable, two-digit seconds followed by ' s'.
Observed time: 11 h 55 min
